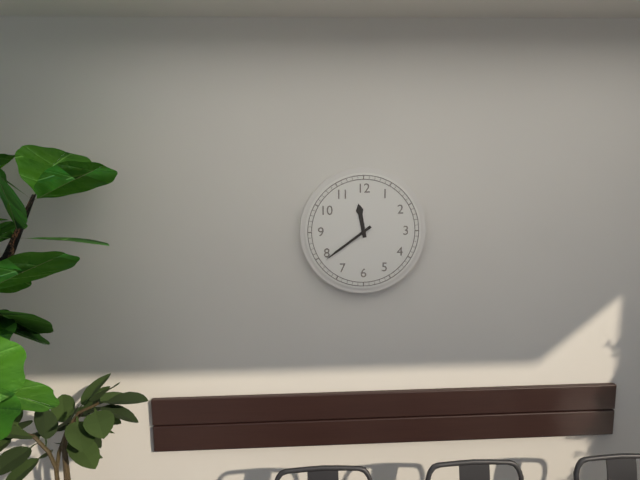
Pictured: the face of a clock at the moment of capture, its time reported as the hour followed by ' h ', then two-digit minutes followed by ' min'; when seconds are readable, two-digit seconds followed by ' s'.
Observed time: 11 h 39 min
